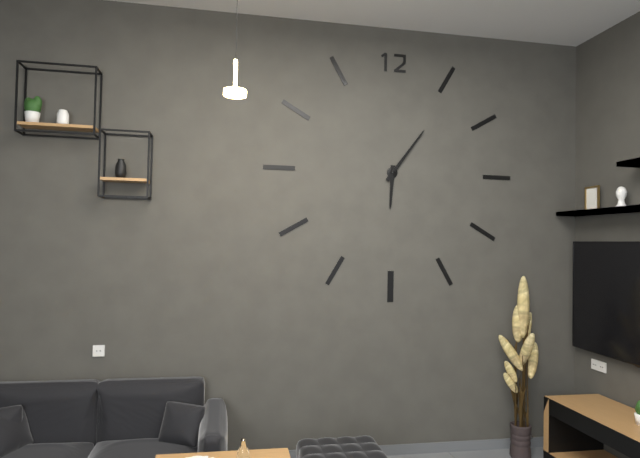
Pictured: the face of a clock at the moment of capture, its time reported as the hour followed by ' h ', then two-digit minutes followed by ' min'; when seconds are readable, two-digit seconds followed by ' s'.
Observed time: 6 h 06 min
